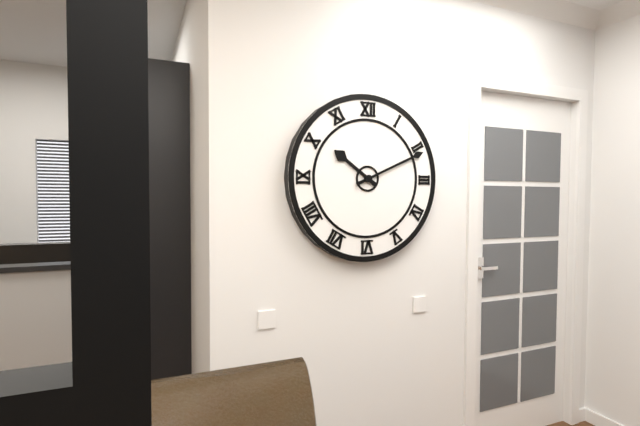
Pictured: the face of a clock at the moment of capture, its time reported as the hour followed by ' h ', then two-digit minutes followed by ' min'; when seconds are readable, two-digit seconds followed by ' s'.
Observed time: 10 h 11 min
